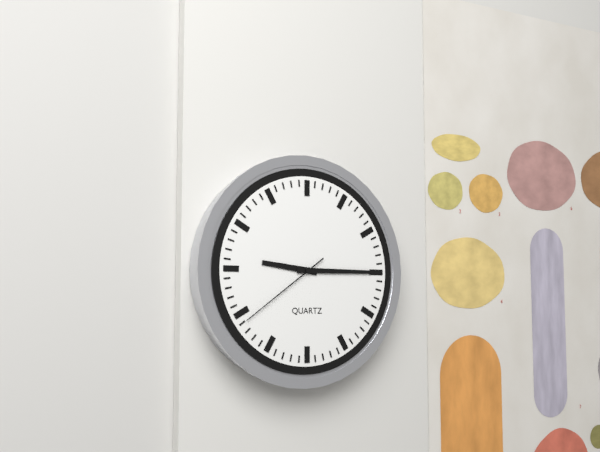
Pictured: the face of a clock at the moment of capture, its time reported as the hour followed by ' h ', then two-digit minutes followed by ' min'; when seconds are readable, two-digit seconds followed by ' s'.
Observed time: 9 h 15 min 39 s
